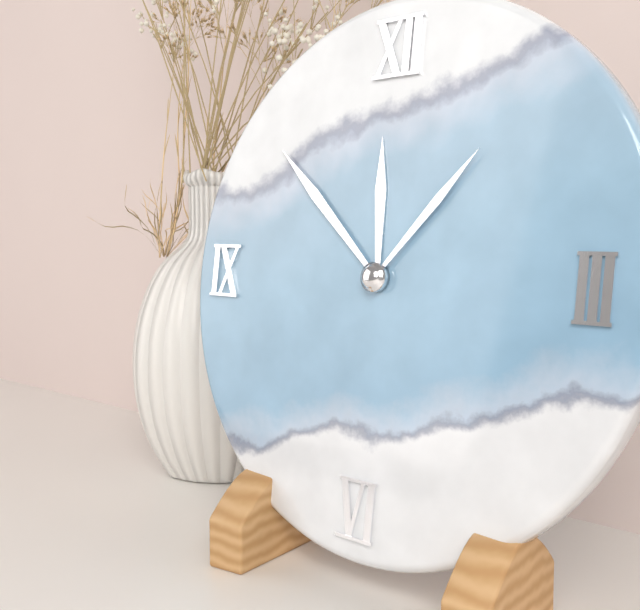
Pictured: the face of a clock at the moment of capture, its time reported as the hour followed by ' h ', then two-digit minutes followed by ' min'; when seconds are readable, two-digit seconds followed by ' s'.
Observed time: 11 h 52 min 07 s
